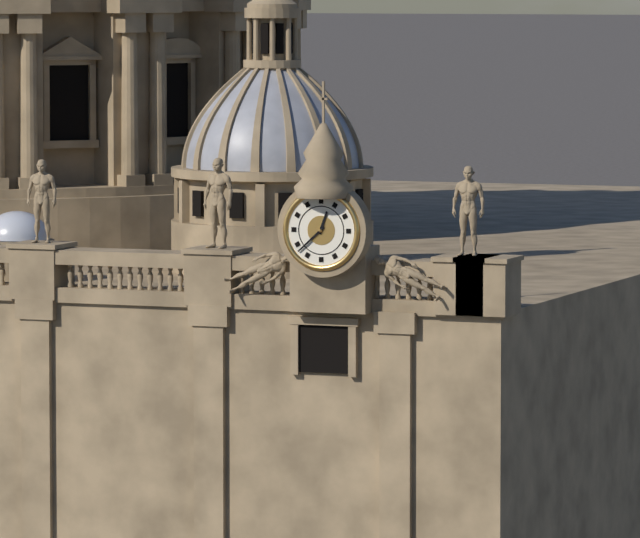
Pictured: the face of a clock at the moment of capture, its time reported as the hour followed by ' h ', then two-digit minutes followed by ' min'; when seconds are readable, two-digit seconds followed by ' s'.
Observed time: 12 h 38 min
